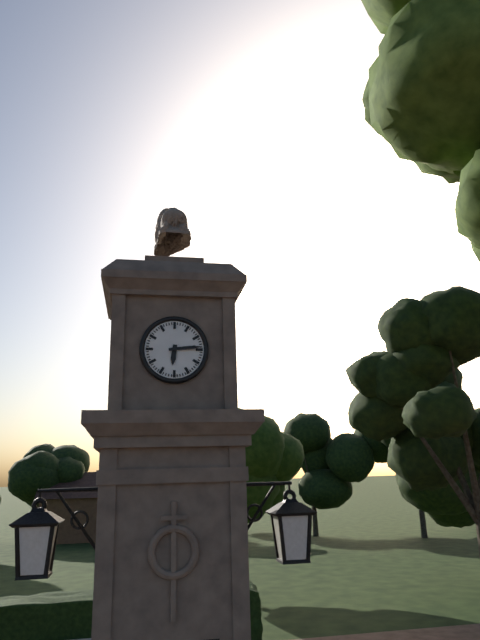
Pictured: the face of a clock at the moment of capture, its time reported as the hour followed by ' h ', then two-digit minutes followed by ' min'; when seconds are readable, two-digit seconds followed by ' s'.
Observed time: 6 h 14 min
